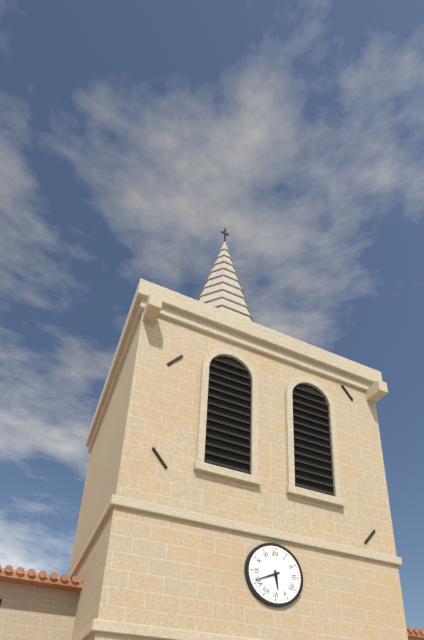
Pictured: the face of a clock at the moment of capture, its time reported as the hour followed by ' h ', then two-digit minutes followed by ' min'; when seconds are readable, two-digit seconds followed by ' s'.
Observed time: 5 h 41 min
